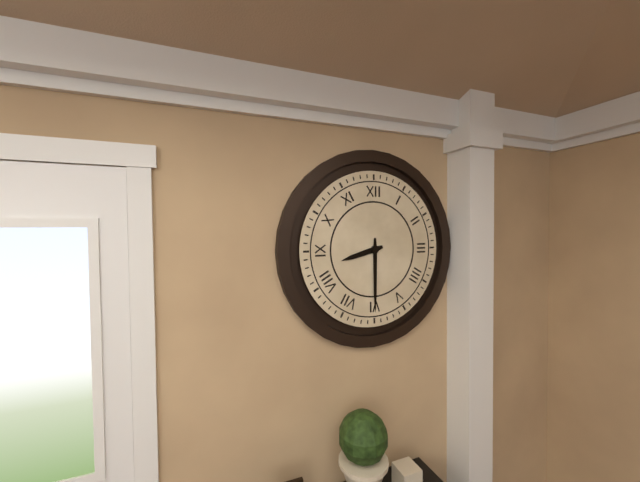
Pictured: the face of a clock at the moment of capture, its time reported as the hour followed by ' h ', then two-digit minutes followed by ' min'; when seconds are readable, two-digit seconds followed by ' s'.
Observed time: 8 h 30 min
